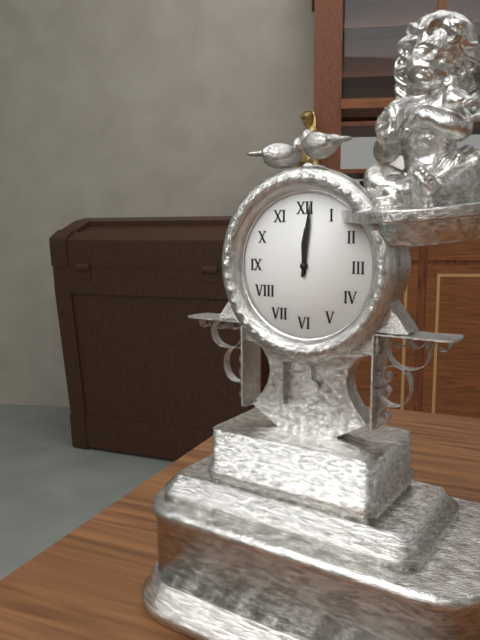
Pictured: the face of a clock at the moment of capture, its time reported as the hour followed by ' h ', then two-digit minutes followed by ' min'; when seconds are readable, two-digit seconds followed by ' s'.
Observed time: 12 h 01 min
